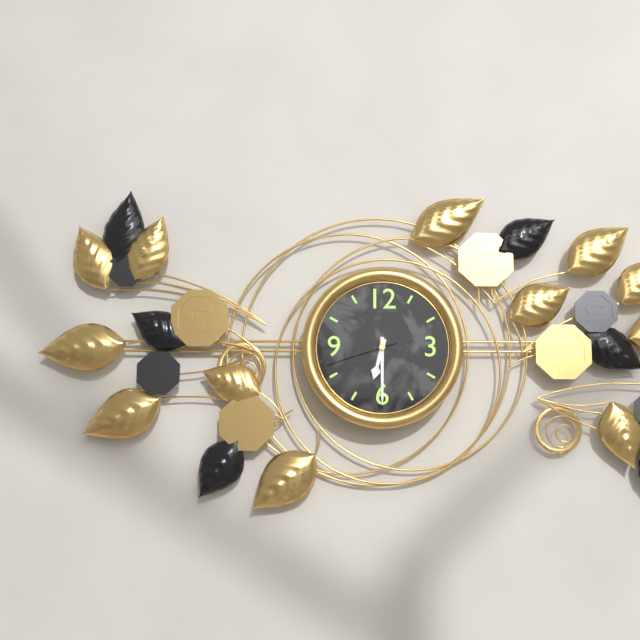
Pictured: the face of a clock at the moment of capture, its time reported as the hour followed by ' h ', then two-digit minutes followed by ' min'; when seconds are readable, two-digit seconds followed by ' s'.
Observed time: 6 h 30 min 42 s
